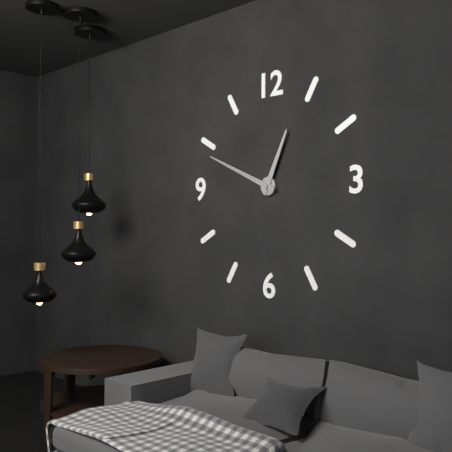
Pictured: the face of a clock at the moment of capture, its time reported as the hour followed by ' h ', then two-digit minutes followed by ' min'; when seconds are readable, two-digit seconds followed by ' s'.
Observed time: 12 h 49 min
